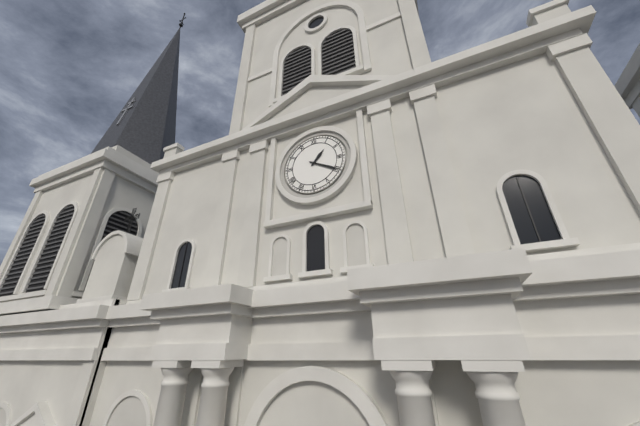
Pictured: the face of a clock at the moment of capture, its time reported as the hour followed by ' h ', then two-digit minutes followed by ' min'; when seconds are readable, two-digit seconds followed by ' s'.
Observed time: 1 h 20 min
